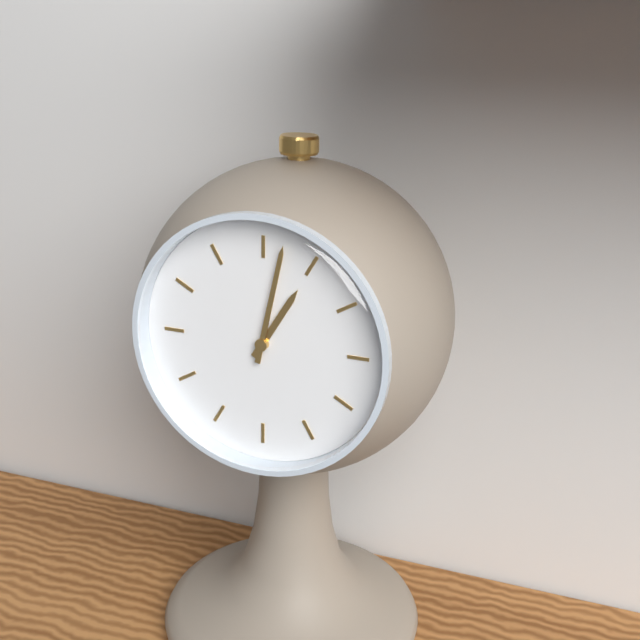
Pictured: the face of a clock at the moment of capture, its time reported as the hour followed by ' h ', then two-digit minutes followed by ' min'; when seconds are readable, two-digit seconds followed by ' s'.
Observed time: 1 h 02 min
